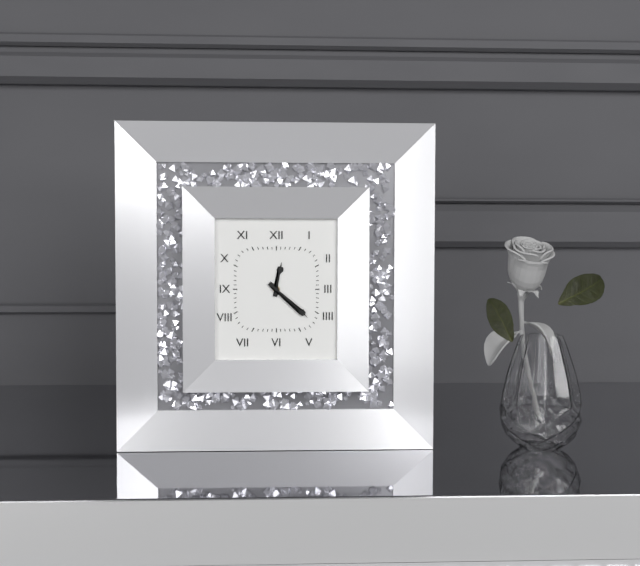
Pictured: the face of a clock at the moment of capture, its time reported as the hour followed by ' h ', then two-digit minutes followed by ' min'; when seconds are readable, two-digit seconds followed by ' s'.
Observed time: 12 h 22 min
